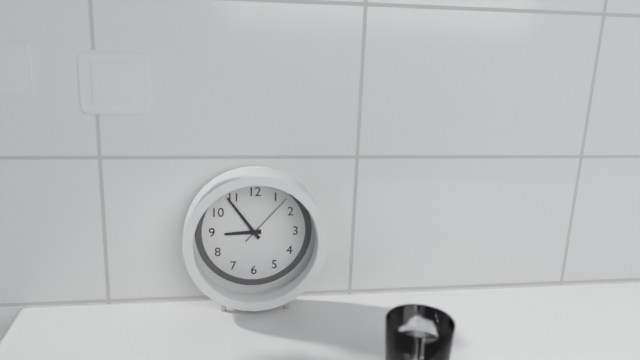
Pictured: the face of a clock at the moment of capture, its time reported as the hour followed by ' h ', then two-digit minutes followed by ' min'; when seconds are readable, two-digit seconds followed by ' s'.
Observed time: 8 h 54 min 07 s
